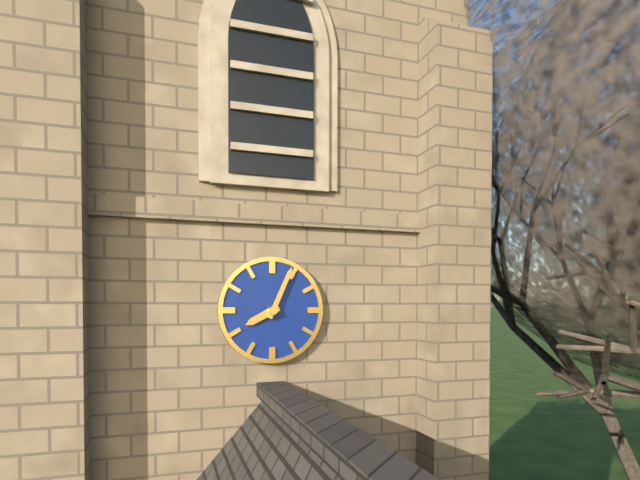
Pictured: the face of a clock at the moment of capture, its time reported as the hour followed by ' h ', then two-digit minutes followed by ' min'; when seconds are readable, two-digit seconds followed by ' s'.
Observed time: 8 h 04 min
